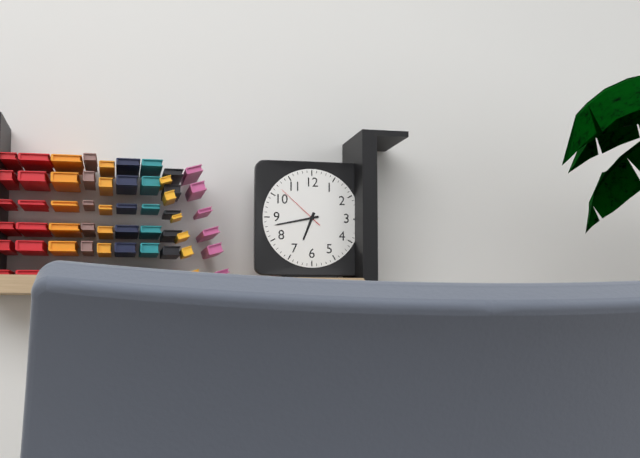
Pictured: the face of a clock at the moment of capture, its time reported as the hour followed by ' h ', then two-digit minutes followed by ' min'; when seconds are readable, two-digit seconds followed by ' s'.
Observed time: 6 h 43 min 52 s
